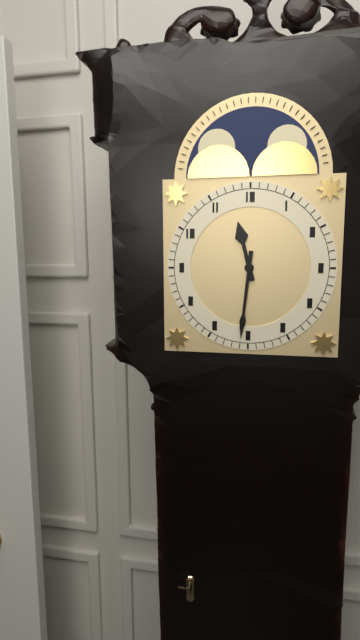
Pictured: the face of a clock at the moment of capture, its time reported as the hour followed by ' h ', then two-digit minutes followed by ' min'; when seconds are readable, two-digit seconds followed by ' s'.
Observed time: 11 h 31 min
